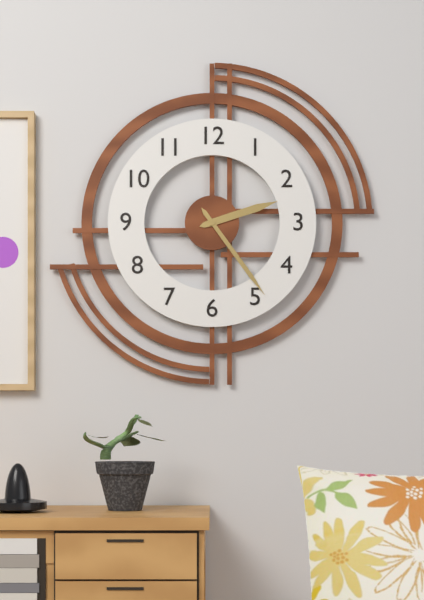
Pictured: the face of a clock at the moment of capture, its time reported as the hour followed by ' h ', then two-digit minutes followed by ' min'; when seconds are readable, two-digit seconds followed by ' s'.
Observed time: 2 h 24 min
